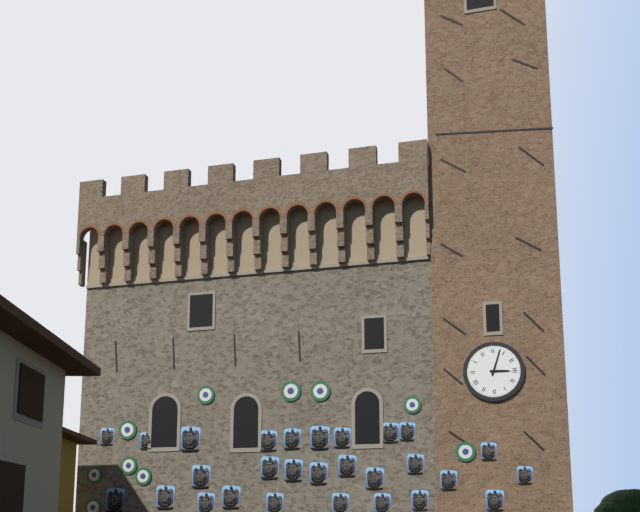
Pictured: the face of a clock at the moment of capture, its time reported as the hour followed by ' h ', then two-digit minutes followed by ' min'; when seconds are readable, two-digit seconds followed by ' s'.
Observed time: 3 h 03 min
